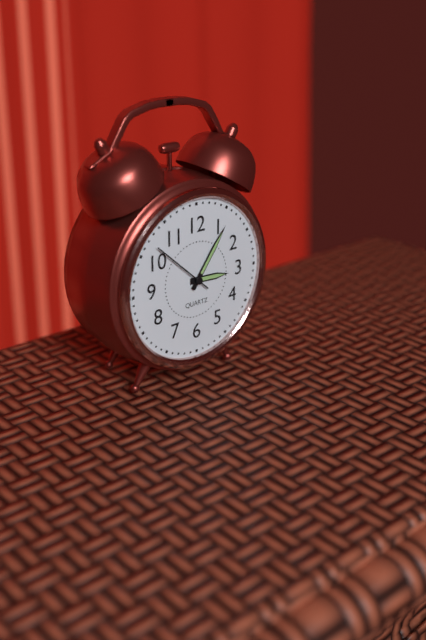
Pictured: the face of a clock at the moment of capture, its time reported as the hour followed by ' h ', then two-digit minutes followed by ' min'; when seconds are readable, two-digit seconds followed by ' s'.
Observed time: 3 h 06 min 52 s
